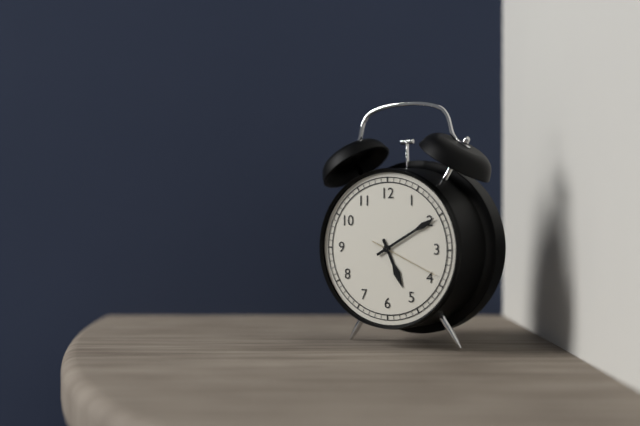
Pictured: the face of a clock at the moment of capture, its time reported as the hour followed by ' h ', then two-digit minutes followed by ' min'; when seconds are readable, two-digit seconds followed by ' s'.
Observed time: 5 h 10 min 19 s
